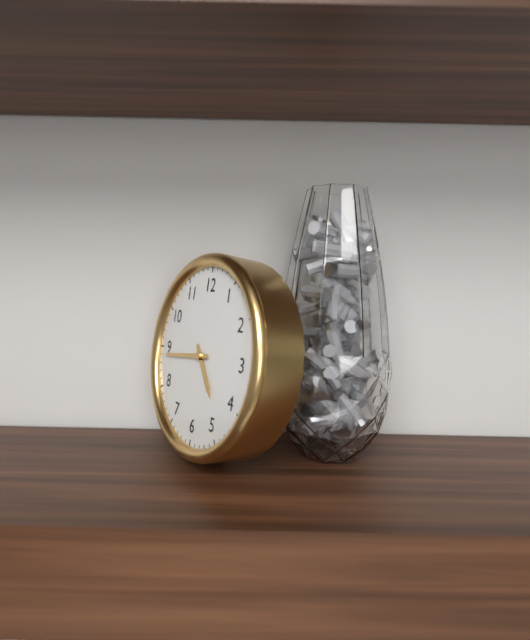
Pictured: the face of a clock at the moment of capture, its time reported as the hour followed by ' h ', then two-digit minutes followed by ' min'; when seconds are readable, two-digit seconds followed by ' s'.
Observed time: 4 h 44 min
